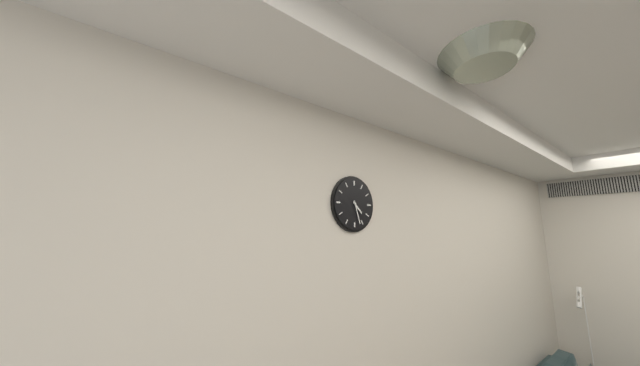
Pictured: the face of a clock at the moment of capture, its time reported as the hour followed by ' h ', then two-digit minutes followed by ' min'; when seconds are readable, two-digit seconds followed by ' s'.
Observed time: 4 h 27 min
